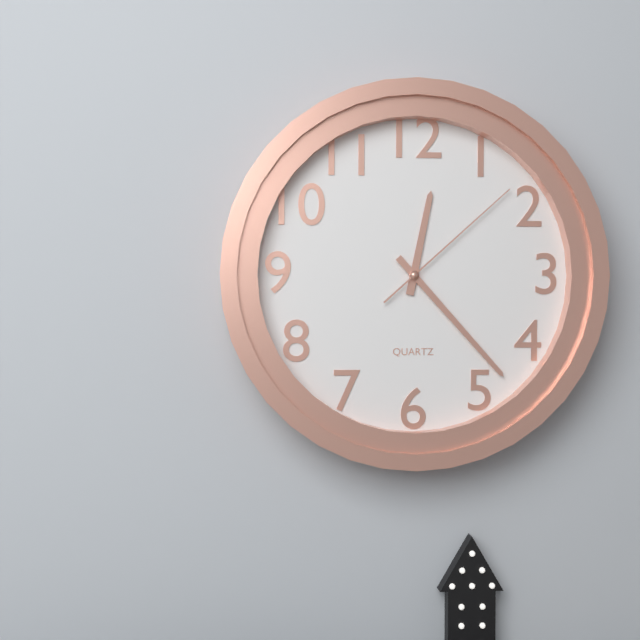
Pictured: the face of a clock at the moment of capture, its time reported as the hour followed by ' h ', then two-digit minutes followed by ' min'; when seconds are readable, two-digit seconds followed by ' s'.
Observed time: 12 h 23 min 08 s
